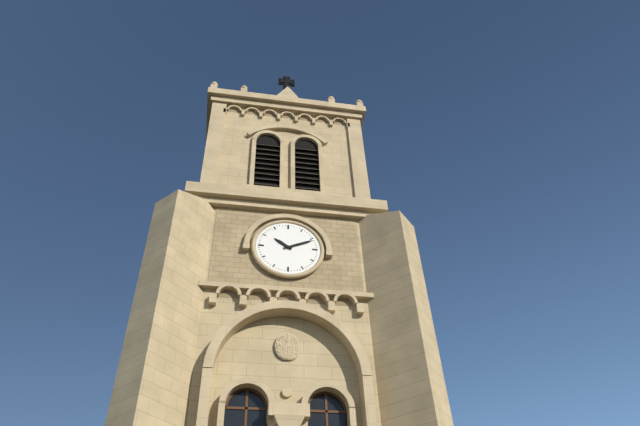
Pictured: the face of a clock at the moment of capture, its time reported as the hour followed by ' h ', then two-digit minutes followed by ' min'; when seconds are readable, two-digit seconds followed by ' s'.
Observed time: 10 h 11 min
